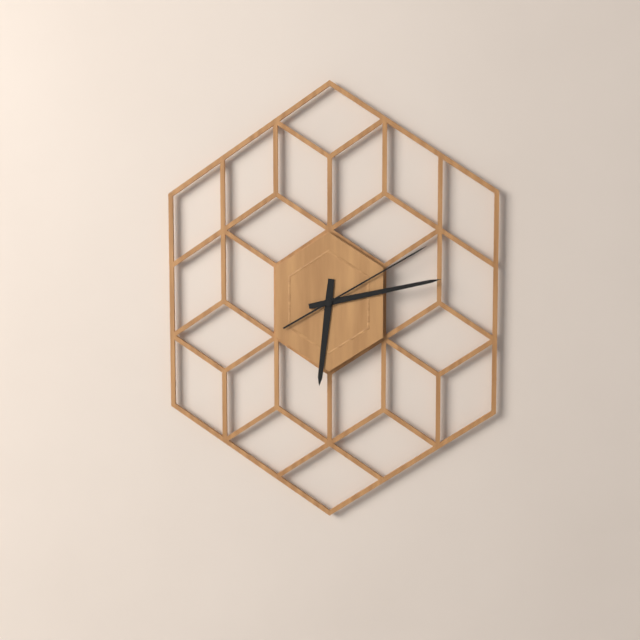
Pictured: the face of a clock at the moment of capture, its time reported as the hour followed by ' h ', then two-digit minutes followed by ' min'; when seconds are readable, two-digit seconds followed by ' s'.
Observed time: 6 h 13 min 10 s
